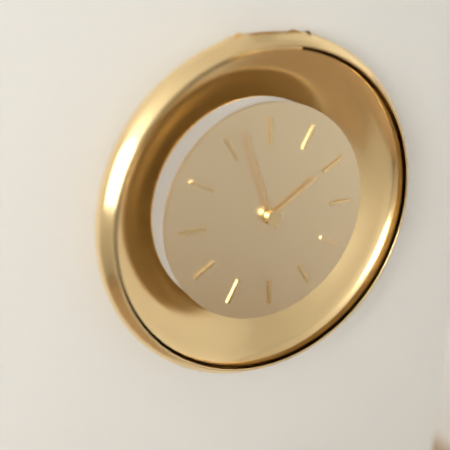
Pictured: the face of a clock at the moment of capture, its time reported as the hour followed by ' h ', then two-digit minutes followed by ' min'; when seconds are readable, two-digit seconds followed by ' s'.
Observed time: 1 h 57 min
